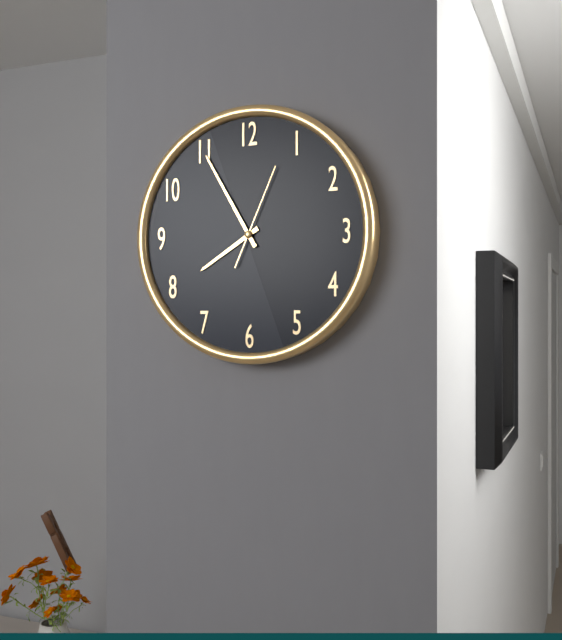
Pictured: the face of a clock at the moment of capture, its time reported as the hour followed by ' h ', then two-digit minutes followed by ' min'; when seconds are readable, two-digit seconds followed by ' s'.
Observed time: 7 h 55 min 04 s
